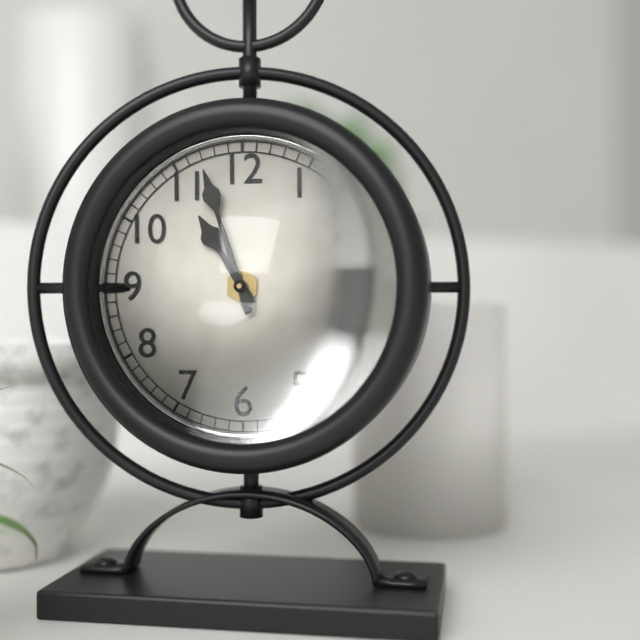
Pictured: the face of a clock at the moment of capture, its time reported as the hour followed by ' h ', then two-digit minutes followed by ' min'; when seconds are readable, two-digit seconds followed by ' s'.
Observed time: 10 h 57 min
